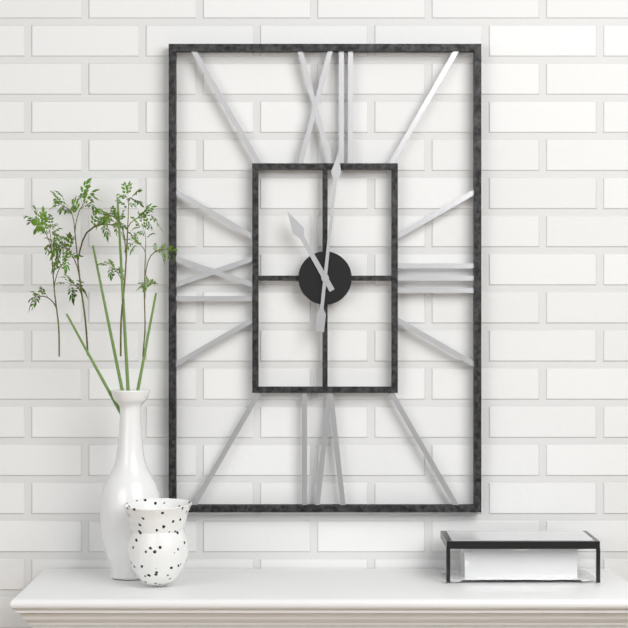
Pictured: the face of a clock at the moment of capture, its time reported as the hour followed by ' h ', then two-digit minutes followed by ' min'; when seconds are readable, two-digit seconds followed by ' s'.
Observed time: 11 h 01 min
